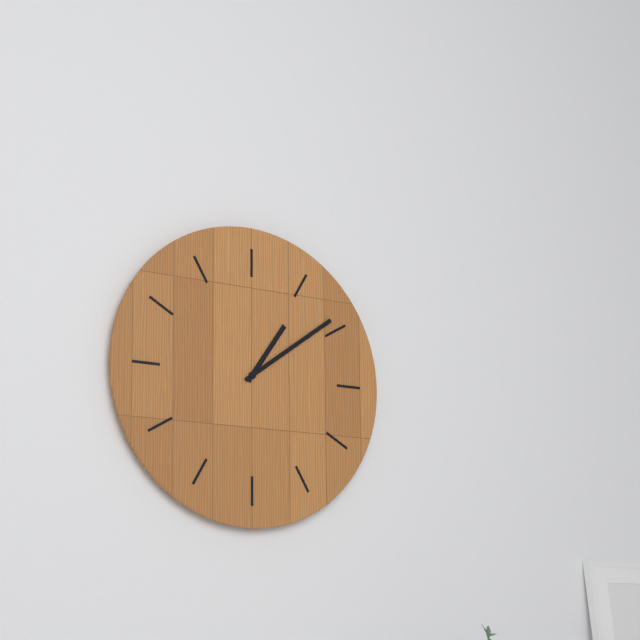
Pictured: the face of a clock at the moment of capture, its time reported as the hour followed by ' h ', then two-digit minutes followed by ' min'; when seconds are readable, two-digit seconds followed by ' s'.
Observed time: 1 h 09 min
